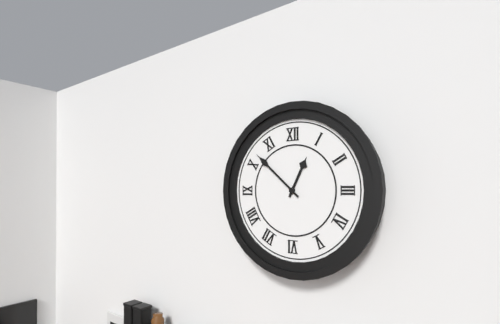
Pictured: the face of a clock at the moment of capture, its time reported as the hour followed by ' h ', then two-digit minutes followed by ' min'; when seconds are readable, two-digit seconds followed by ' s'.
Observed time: 12 h 52 min
